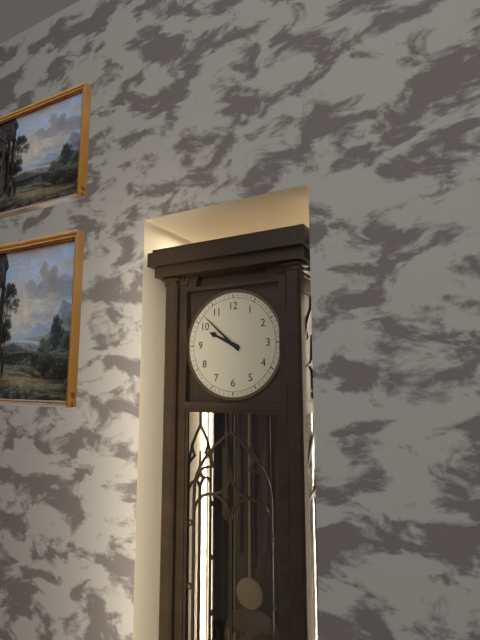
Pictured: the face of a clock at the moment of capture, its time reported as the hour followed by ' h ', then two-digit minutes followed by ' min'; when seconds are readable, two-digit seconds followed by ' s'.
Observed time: 9 h 52 min
